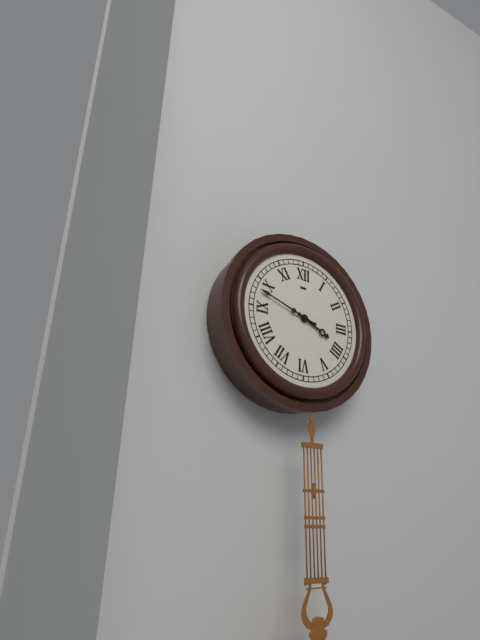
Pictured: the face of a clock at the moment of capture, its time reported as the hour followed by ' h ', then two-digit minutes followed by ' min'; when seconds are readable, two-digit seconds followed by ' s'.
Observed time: 3 h 48 min
